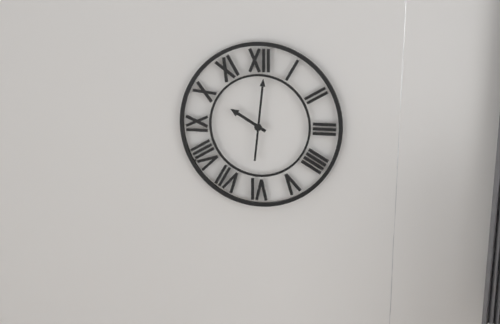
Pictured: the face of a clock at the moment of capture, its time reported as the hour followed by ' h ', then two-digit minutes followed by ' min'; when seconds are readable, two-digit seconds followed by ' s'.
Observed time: 10 h 01 min
